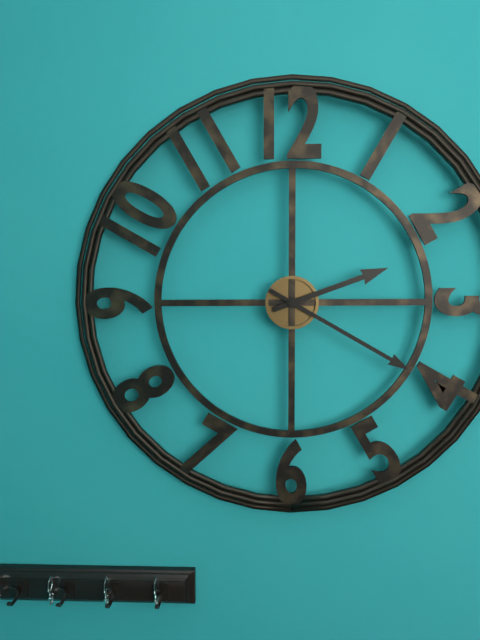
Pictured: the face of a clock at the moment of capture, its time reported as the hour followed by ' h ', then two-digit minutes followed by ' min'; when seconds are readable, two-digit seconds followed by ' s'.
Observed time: 2 h 20 min
